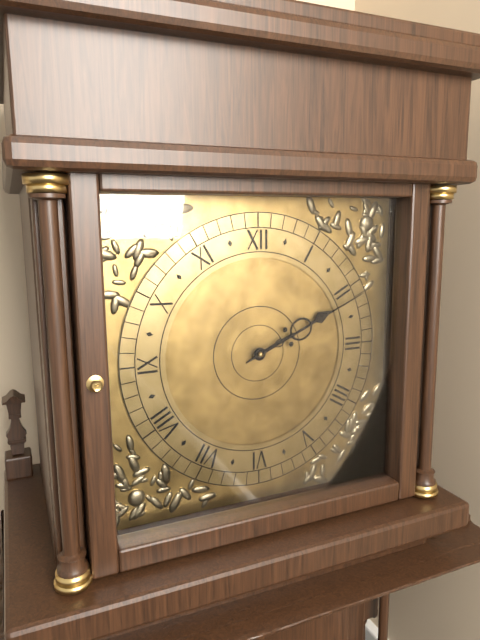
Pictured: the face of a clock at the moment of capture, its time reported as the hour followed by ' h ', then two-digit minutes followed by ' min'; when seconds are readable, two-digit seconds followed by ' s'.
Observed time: 2 h 11 min
